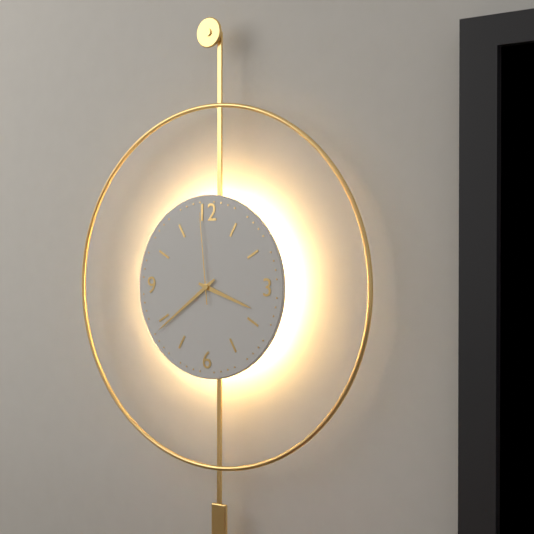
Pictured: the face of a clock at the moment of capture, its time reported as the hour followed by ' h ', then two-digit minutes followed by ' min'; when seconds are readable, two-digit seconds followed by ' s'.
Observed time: 3 h 39 min 59 s
